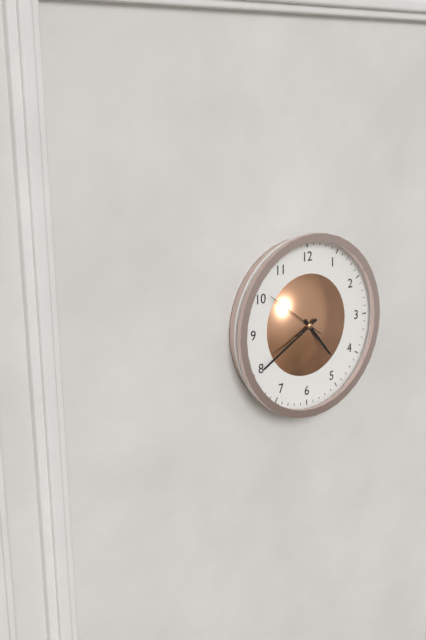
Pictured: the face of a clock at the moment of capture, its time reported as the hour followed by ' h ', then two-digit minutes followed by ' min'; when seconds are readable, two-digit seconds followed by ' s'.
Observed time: 4 h 40 min
